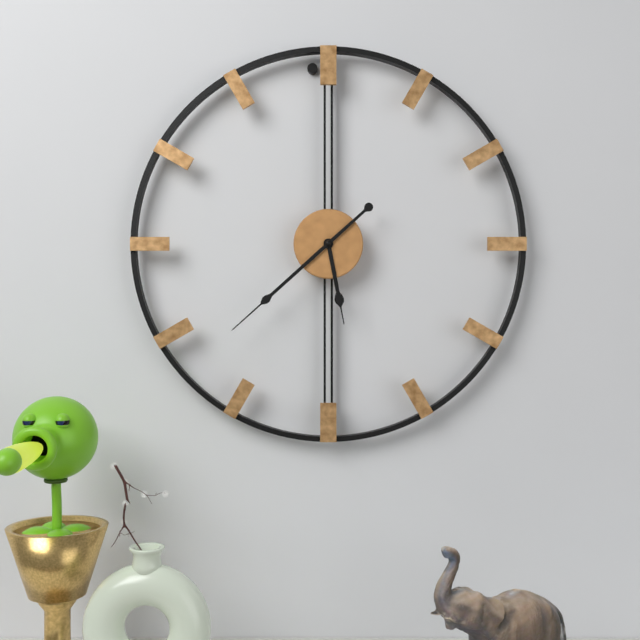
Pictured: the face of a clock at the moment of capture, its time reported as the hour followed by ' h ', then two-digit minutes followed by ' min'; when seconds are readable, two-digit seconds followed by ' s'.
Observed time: 5 h 38 min
